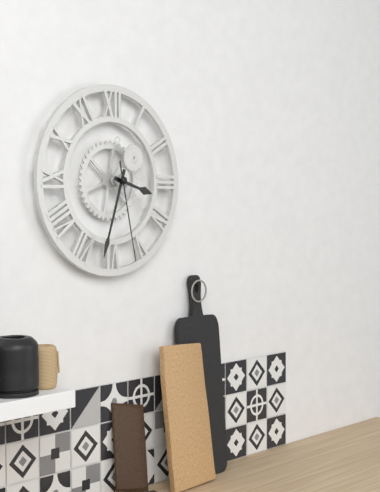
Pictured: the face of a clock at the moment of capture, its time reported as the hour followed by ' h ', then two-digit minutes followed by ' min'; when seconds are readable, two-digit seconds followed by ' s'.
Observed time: 3 h 33 min 28 s
